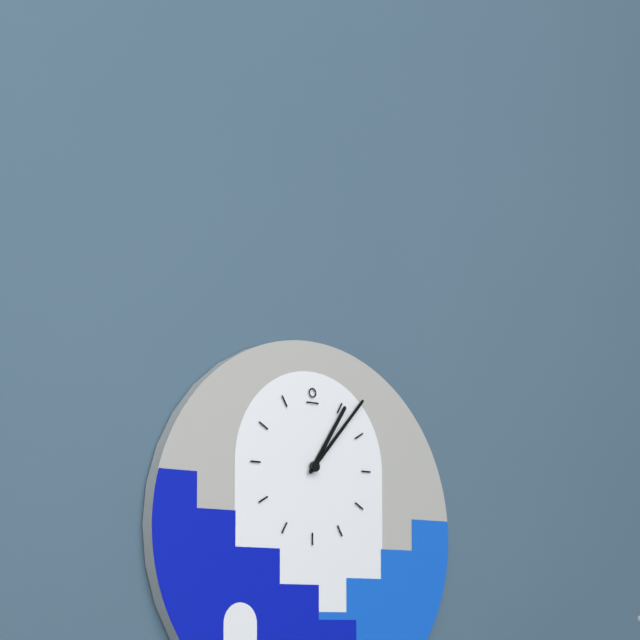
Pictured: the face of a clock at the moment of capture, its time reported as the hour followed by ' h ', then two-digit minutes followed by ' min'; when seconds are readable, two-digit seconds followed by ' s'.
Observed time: 1 h 07 min
